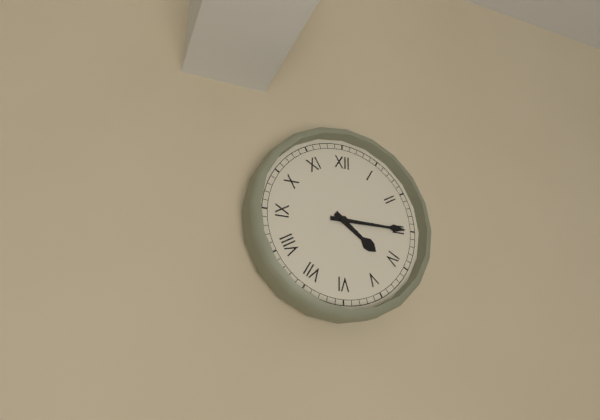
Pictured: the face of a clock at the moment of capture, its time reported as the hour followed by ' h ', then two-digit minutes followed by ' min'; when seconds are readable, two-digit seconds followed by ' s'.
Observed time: 4 h 15 min
